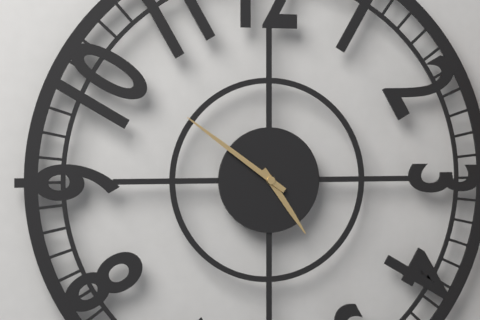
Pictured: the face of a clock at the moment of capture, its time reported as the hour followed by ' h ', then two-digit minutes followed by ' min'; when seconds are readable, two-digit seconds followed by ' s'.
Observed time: 4 h 51 min
